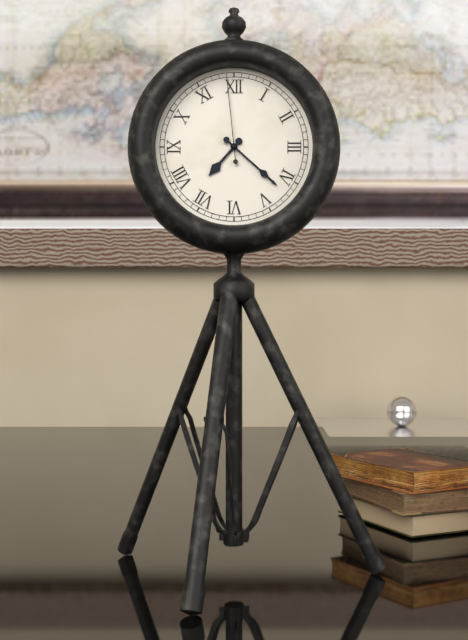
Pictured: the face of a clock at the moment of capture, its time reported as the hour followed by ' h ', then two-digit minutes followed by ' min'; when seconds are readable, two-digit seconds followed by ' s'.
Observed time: 7 h 22 min 59 s
